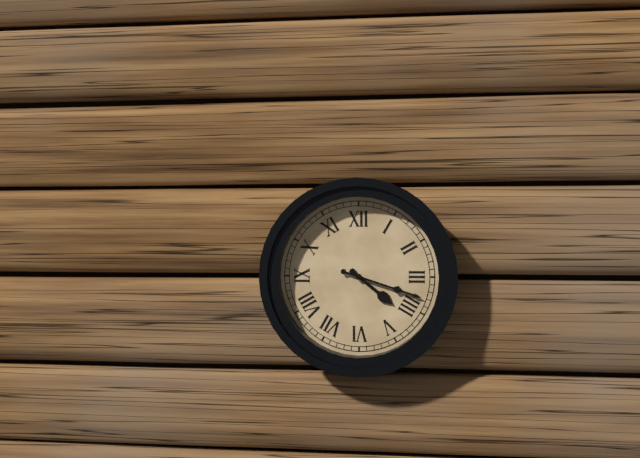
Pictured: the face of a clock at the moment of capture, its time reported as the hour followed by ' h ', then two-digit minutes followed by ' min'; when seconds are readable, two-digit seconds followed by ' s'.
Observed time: 4 h 18 min
